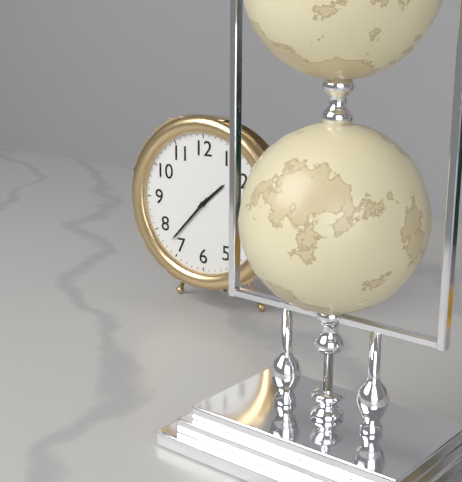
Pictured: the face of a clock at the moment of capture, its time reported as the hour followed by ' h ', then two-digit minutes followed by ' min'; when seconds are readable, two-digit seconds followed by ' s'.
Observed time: 1 h 37 min
